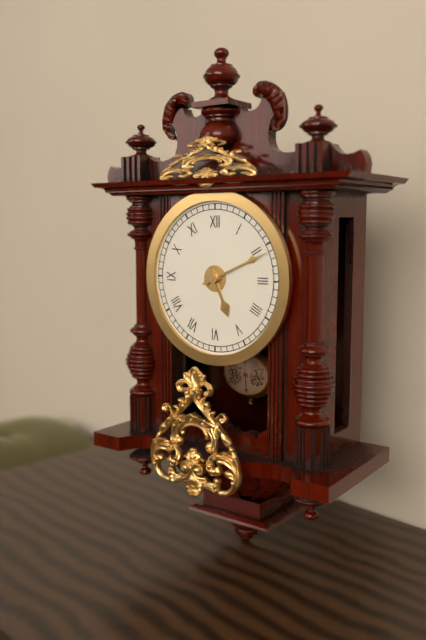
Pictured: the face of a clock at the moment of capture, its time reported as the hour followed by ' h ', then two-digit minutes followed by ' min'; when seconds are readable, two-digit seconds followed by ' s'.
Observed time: 5 h 11 min
